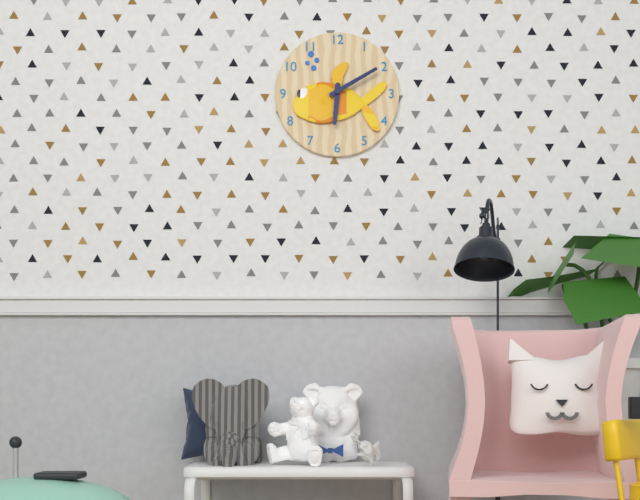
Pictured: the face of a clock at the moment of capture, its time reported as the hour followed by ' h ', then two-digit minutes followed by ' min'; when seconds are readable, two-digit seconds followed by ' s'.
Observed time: 6 h 10 min
